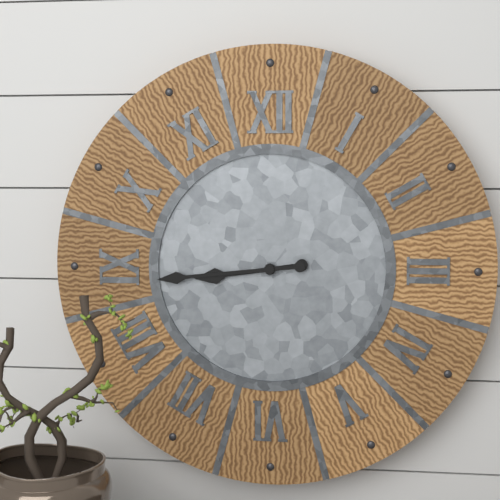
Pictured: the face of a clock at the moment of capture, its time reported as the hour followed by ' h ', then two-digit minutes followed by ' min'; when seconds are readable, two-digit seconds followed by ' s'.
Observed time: 8 h 44 min
